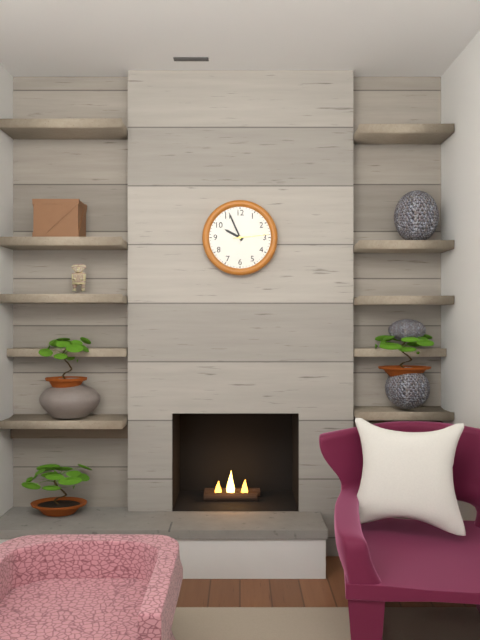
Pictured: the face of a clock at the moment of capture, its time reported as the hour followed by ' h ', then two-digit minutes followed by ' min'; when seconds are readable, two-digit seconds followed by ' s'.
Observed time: 9 h 56 min
